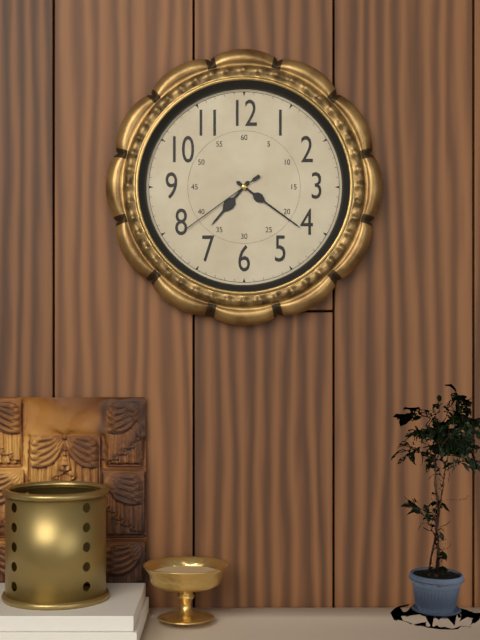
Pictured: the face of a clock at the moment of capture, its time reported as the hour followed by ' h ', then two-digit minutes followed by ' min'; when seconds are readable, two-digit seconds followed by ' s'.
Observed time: 7 h 21 min 39 s
